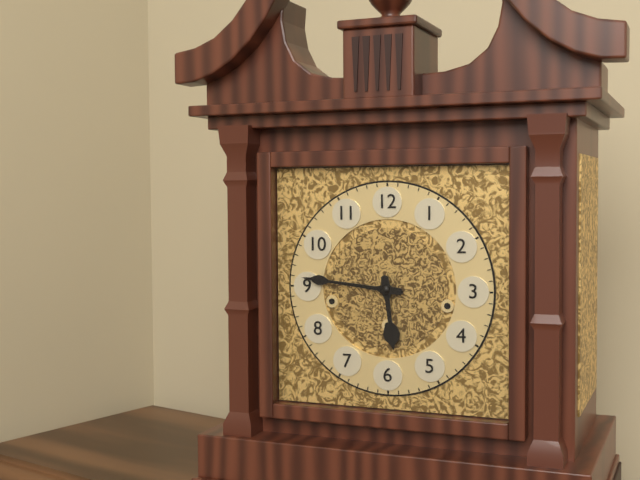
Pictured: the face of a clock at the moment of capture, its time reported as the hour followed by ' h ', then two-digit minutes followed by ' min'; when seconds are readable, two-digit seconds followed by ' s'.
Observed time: 5 h 46 min
